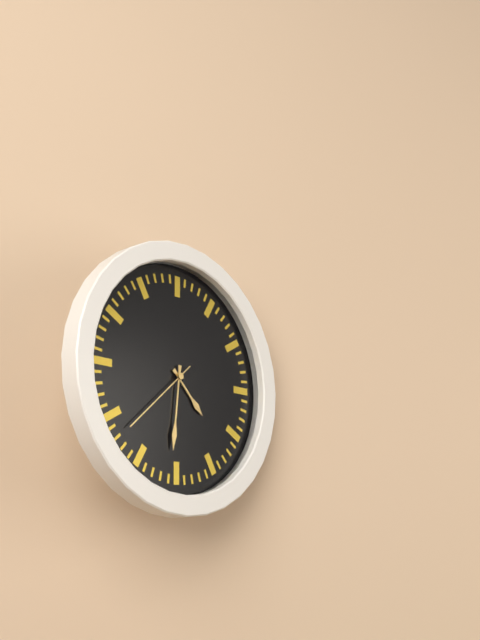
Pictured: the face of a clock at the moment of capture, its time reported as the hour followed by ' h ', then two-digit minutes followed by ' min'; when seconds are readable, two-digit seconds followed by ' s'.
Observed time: 4 h 31 min 38 s
